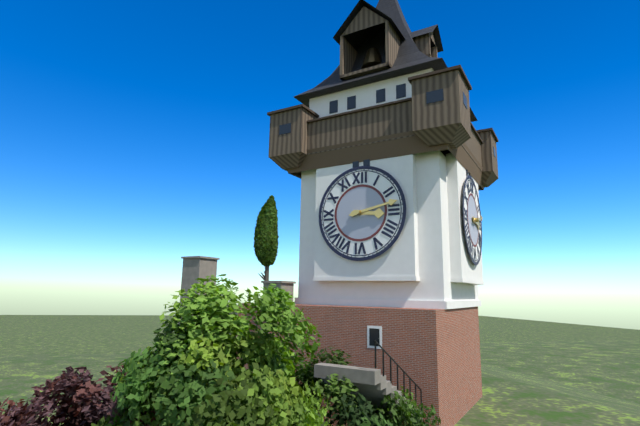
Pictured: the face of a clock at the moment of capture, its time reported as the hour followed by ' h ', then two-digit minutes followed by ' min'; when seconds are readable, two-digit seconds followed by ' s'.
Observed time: 3 h 13 min
